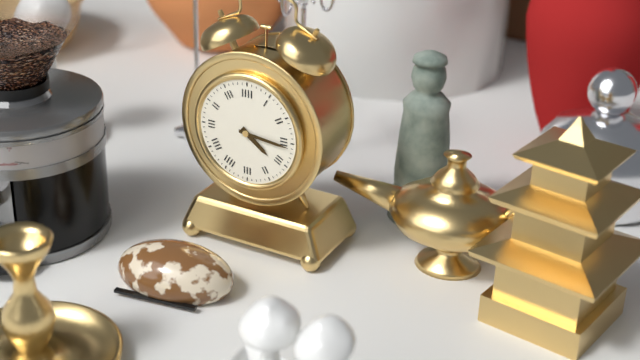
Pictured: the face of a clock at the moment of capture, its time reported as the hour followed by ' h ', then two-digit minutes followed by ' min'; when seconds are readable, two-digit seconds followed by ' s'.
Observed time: 4 h 16 min
